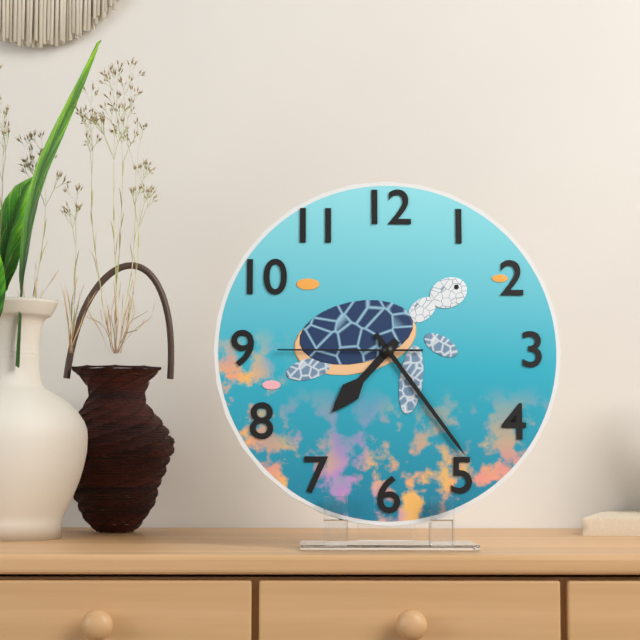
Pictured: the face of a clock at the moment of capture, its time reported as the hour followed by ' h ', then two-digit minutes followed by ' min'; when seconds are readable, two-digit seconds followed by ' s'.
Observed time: 7 h 24 min 45 s
